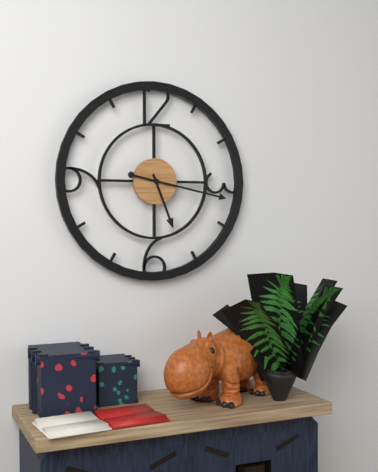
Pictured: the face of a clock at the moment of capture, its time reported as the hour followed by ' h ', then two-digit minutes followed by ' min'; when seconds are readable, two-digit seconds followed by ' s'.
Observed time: 5 h 17 min
